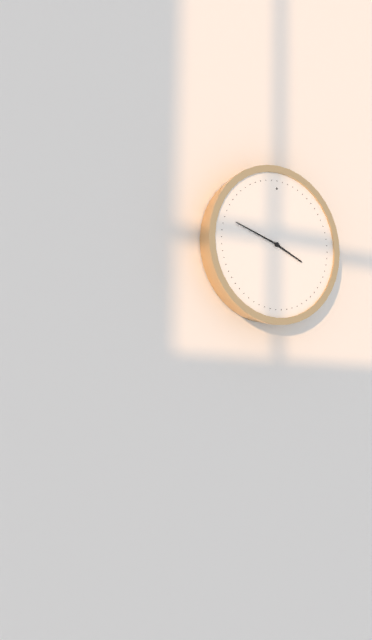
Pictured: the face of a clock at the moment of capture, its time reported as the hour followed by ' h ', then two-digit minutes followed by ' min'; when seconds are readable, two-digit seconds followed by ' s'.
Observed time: 3 h 48 min
